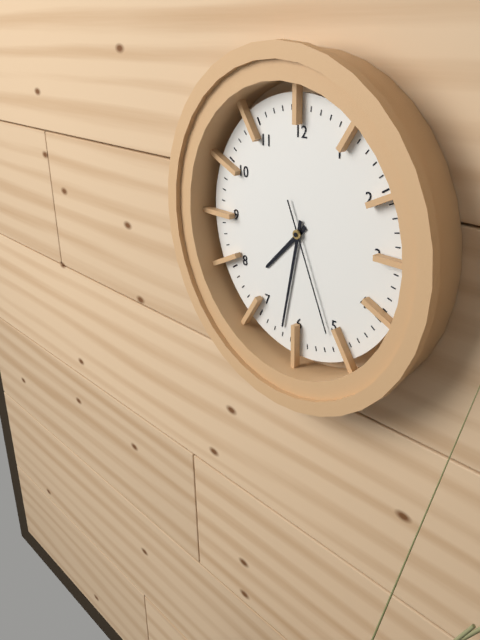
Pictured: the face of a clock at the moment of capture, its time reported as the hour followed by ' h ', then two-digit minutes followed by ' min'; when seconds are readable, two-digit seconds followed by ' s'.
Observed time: 7 h 32 min 26 s
